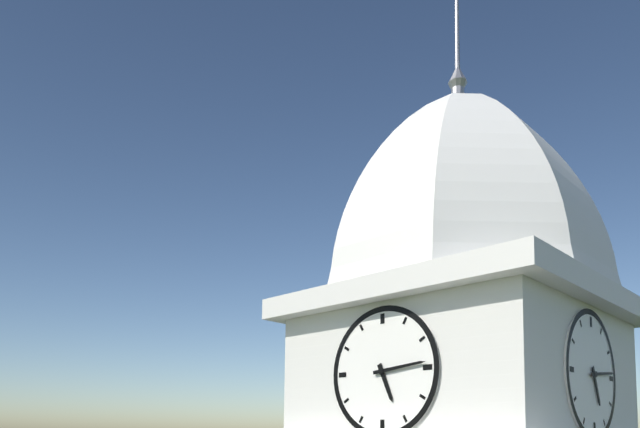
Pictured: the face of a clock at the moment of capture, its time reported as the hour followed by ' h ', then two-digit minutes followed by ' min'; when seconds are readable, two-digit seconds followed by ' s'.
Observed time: 5 h 14 min
